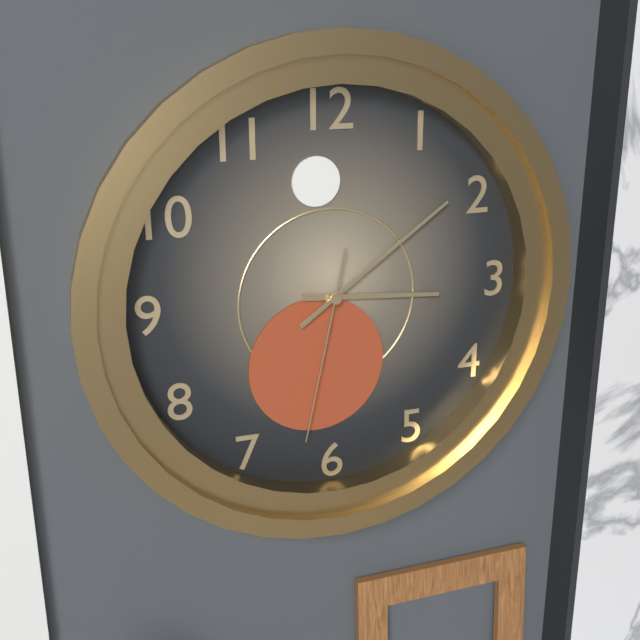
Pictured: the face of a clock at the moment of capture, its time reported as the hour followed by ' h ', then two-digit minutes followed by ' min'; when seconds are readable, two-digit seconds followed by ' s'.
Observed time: 3 h 09 min 32 s
